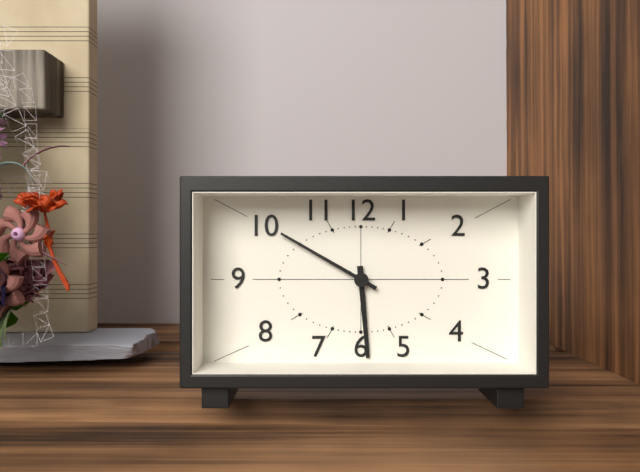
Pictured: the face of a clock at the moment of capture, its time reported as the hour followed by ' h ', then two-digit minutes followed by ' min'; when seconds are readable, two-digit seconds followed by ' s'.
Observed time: 5 h 50 min
